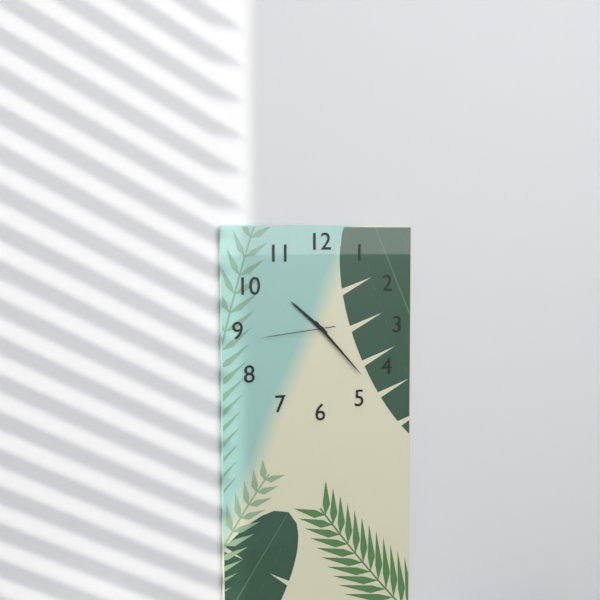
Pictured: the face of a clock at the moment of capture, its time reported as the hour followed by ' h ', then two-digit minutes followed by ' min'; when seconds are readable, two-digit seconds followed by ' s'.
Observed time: 10 h 23 min 44 s
